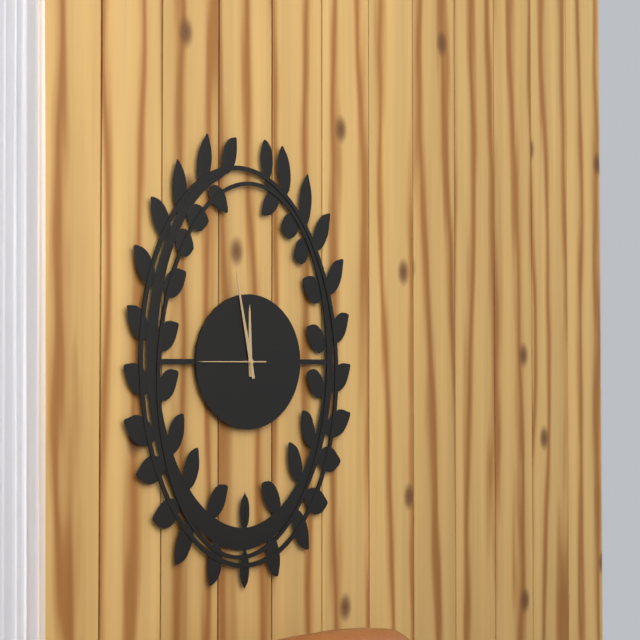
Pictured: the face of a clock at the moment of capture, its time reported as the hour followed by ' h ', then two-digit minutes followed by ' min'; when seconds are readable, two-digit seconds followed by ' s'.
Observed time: 11 h 58 min 45 s
